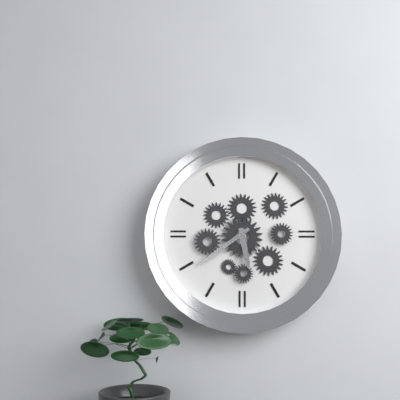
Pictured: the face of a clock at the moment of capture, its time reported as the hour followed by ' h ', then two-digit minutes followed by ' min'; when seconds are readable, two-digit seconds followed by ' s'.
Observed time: 5 h 39 min
